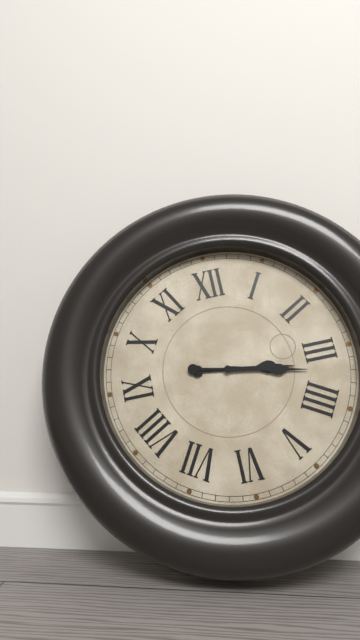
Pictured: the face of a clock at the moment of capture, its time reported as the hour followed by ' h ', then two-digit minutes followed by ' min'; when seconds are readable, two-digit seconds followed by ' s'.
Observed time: 3 h 17 min
